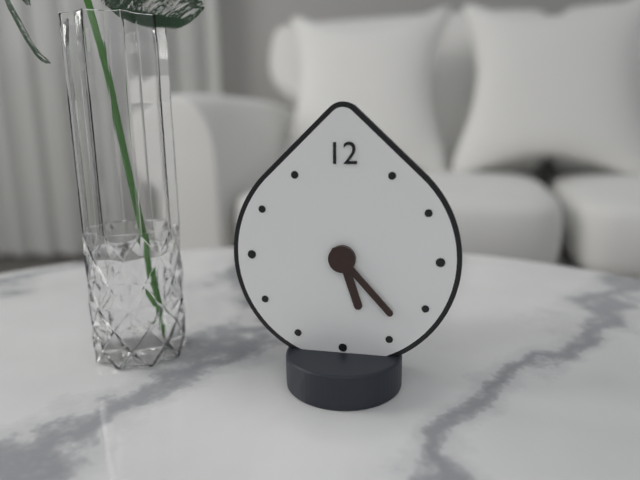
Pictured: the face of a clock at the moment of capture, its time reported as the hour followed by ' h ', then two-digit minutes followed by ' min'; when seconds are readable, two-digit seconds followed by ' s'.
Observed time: 5 h 23 min
